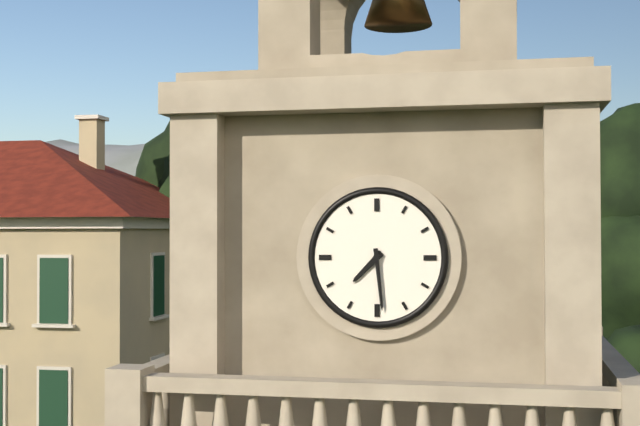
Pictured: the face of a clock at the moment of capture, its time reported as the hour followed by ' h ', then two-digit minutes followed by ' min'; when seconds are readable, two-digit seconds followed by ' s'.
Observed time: 7 h 29 min
